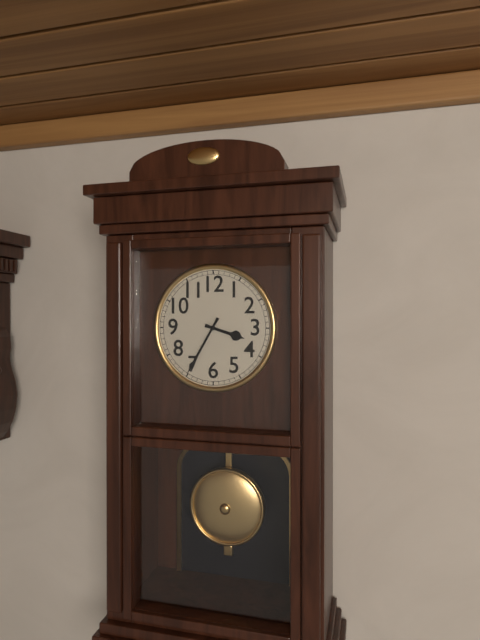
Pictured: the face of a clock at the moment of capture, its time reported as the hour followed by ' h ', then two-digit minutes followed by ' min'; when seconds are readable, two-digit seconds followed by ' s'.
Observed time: 3 h 35 min
